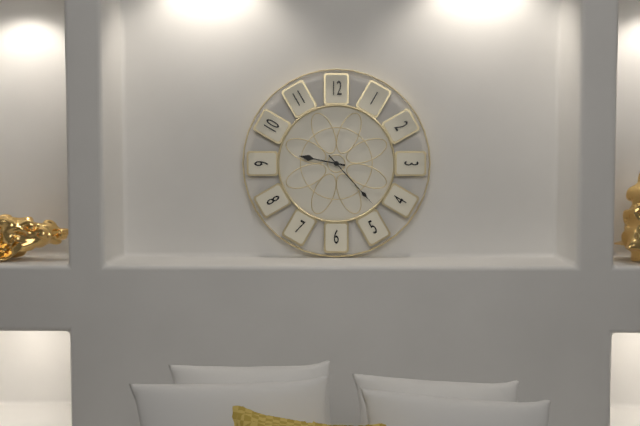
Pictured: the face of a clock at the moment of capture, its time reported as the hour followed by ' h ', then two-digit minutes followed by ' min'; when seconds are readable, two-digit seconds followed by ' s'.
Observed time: 9 h 23 min
